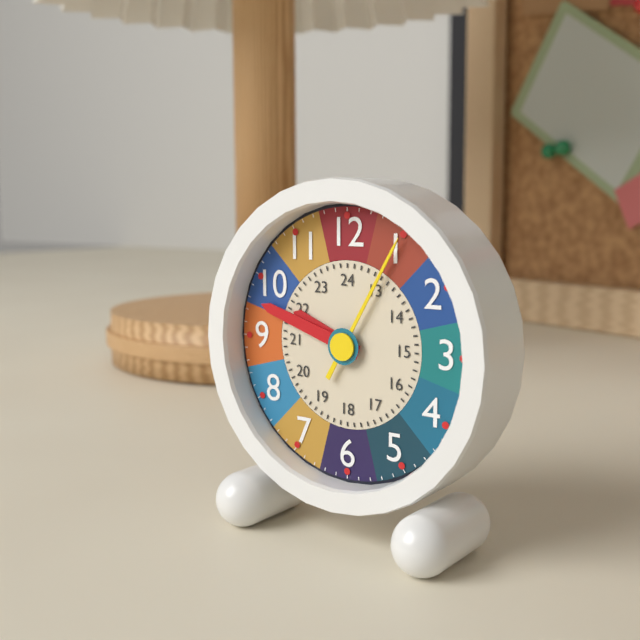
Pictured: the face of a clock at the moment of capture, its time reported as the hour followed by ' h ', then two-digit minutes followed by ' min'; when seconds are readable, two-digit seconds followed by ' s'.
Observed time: 9 h 48 min 05 s
